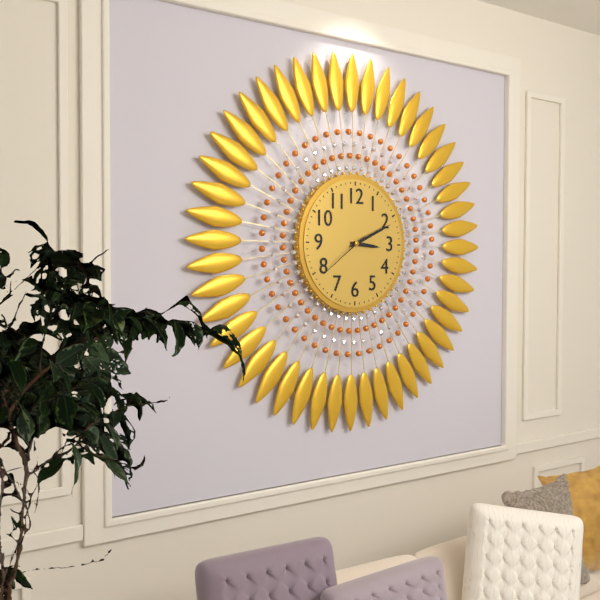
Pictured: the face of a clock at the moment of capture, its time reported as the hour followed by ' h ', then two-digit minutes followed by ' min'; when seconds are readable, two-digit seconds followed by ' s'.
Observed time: 3 h 11 min 39 s
